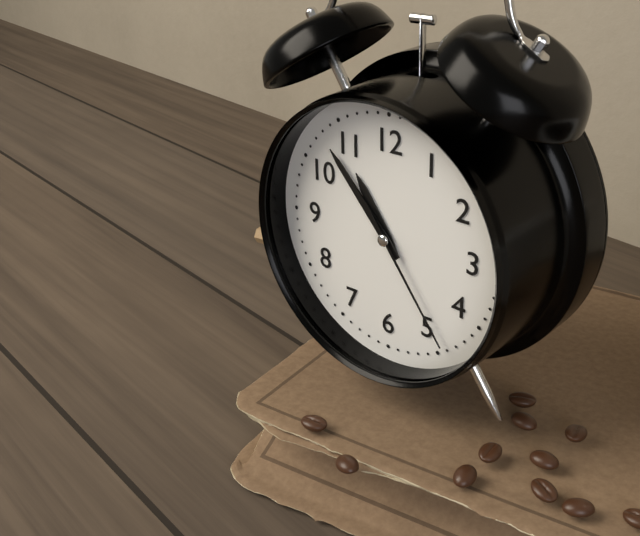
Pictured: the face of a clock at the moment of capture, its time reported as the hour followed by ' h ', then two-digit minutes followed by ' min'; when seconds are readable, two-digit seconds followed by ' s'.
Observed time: 10 h 53 min 24 s
